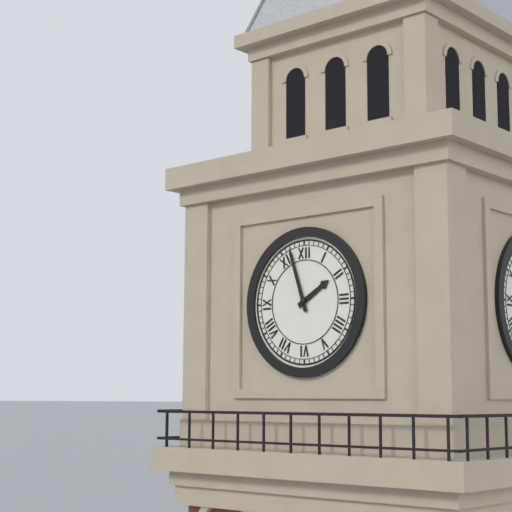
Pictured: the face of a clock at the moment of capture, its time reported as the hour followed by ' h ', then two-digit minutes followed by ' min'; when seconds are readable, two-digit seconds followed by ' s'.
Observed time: 1 h 57 min
